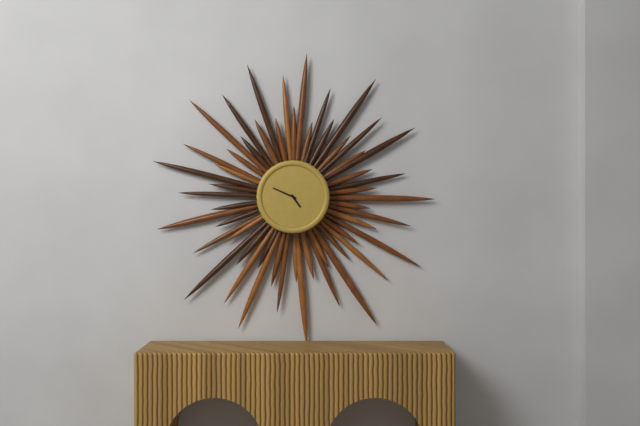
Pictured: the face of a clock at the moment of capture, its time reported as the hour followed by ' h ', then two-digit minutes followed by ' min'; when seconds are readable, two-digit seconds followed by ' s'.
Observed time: 4 h 49 min
